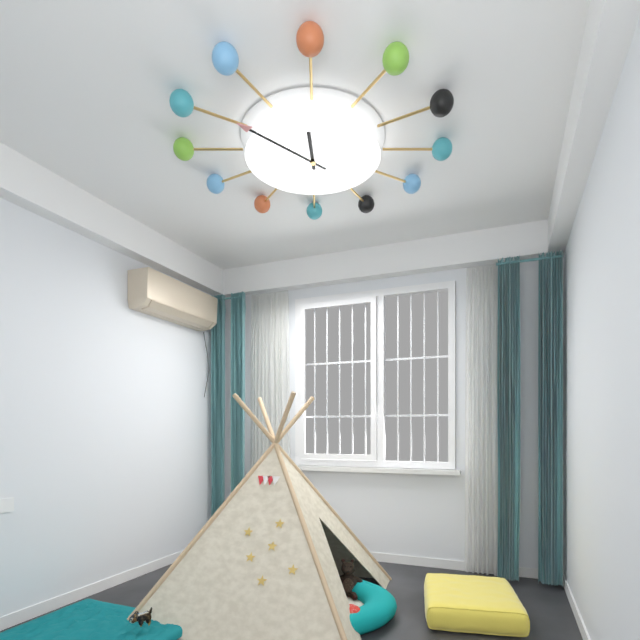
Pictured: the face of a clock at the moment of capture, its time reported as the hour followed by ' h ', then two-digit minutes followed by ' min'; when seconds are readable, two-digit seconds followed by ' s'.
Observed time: 11 h 52 min
